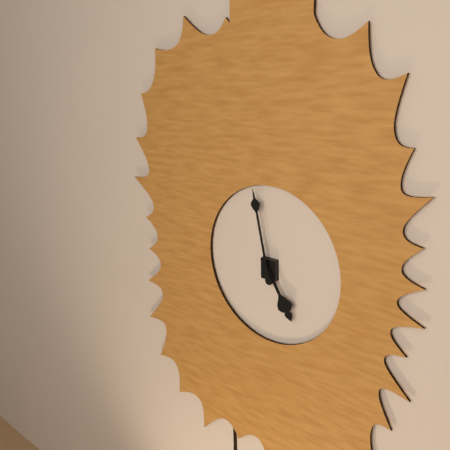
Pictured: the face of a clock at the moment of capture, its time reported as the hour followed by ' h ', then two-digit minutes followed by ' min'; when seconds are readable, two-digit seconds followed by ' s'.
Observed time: 4 h 58 min
